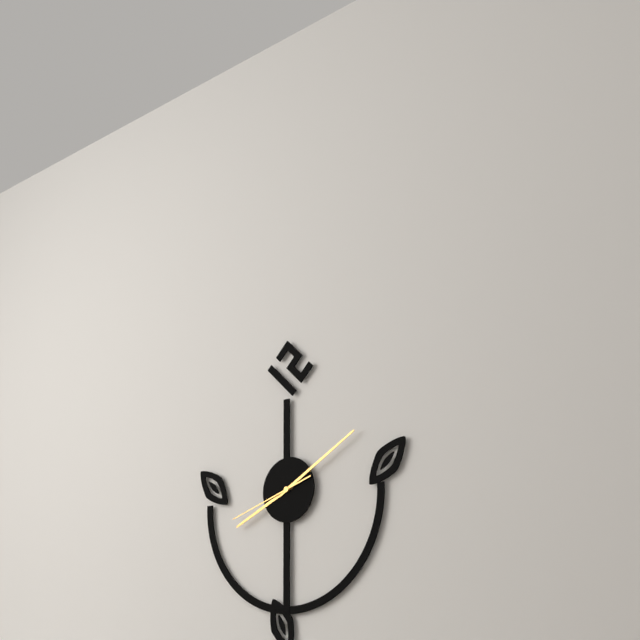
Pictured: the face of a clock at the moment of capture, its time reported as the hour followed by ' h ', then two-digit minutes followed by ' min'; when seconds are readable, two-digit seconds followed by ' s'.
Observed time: 8 h 10 min 42 s
